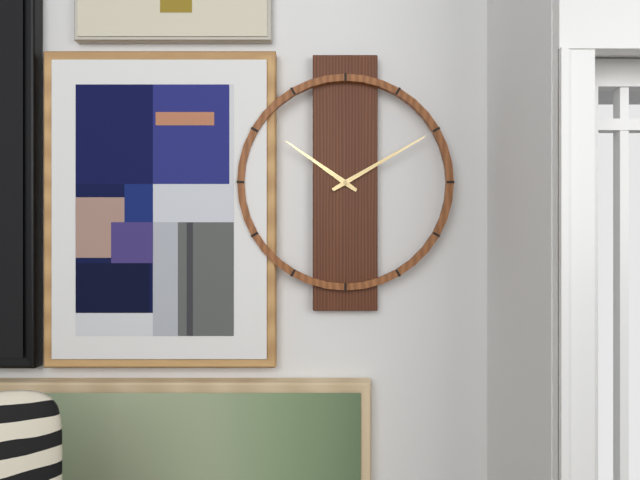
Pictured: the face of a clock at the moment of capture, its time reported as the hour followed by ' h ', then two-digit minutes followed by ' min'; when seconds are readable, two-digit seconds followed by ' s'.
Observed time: 10 h 10 min
